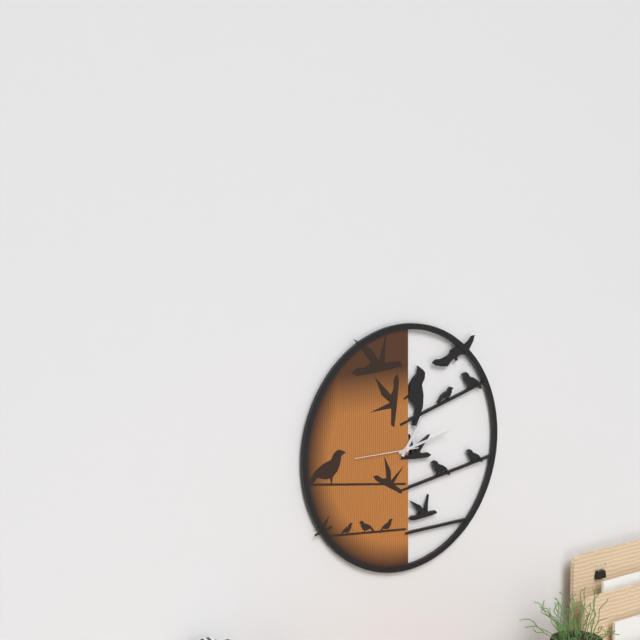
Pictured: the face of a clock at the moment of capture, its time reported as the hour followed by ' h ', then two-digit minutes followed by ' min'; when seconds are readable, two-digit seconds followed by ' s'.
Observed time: 1 h 13 min 45 s
